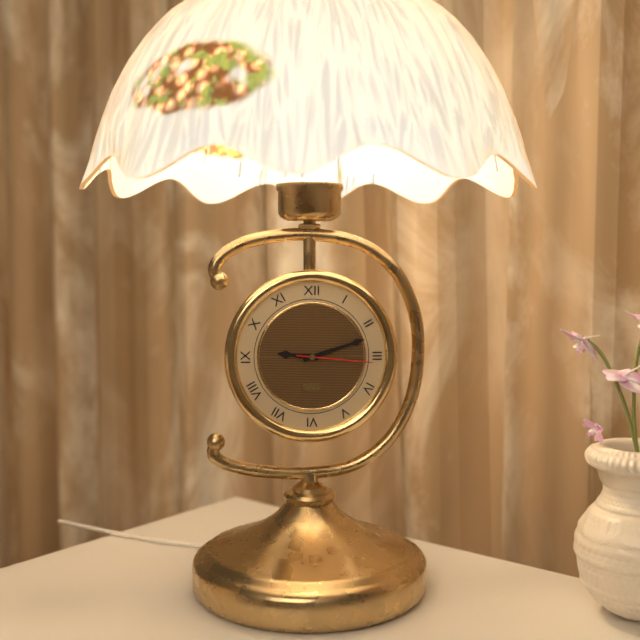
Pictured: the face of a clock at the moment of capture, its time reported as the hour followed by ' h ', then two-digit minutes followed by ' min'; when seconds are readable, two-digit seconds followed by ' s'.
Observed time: 9 h 12 min 16 s
